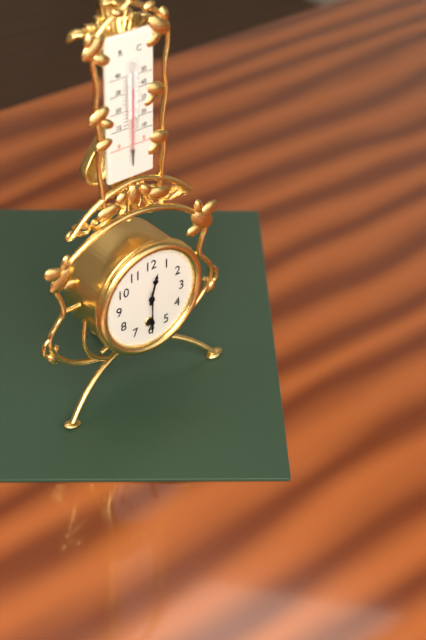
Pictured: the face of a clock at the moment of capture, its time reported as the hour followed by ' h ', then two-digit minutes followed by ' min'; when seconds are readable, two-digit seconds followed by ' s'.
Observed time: 12 h 30 min
